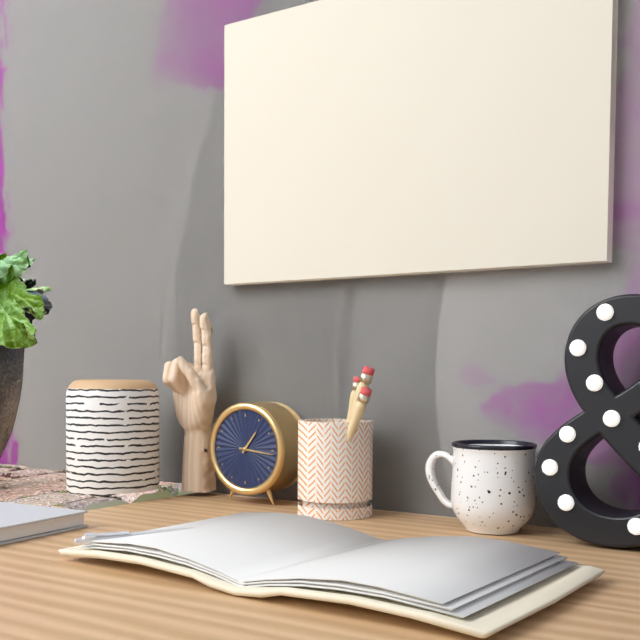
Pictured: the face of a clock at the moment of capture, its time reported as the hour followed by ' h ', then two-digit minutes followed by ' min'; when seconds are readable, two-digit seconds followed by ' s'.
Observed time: 1 h 16 min
